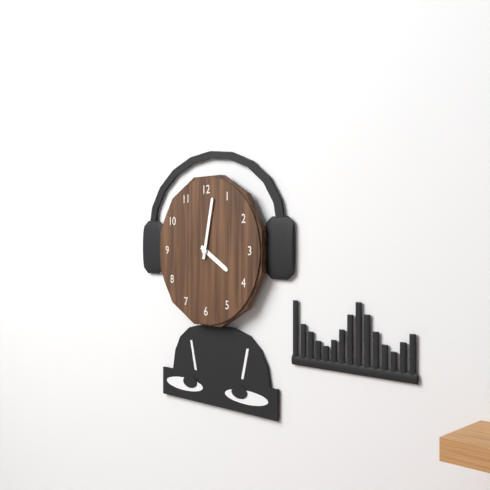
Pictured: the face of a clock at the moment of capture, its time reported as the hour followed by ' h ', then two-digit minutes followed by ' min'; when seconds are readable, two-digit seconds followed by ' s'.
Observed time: 4 h 02 min
